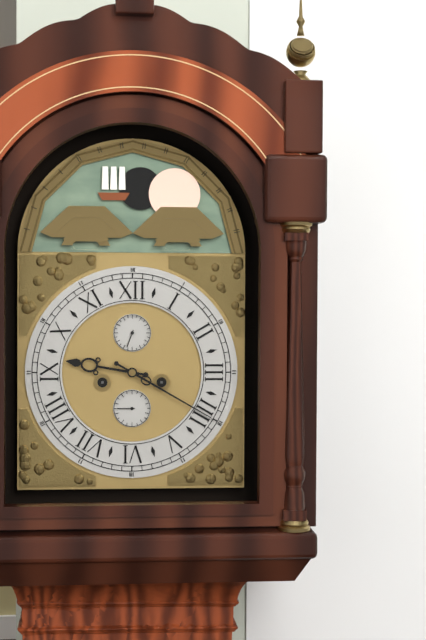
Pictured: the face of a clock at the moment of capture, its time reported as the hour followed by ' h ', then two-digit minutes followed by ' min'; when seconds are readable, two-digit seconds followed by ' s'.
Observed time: 9 h 20 min
